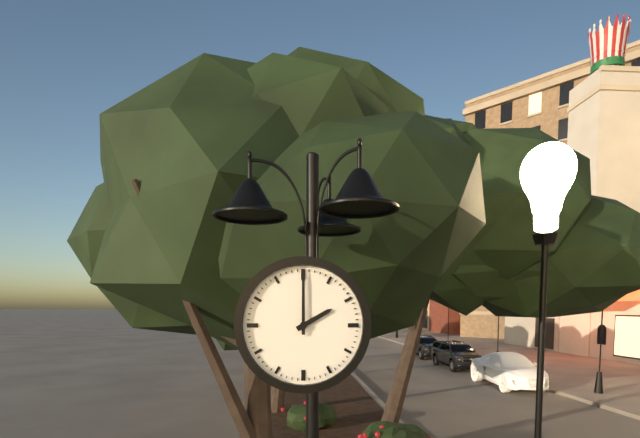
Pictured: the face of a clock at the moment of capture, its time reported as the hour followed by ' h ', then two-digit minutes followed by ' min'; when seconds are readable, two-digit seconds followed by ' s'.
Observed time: 2 h 00 min
